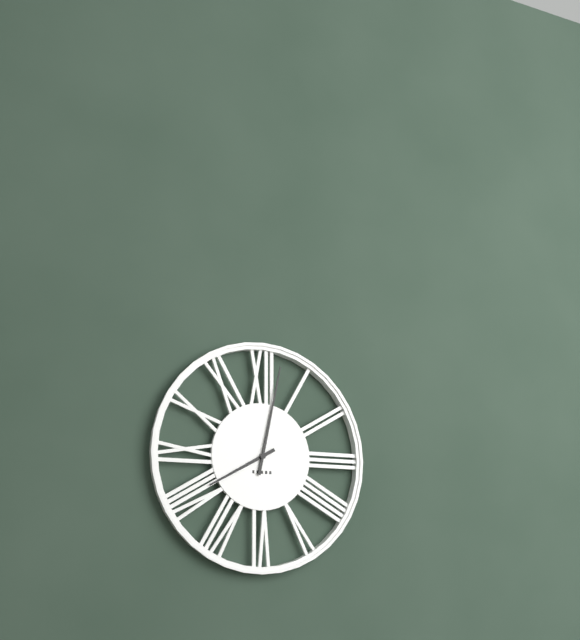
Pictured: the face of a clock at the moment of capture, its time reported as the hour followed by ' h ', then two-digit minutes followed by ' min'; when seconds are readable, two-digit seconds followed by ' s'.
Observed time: 8 h 02 min
